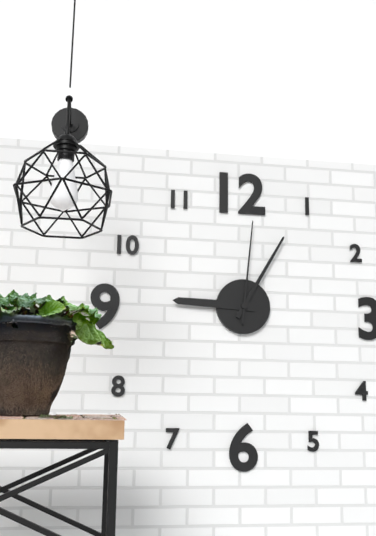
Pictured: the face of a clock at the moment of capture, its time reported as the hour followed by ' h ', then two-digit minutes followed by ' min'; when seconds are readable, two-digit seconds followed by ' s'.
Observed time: 9 h 05 min 01 s
